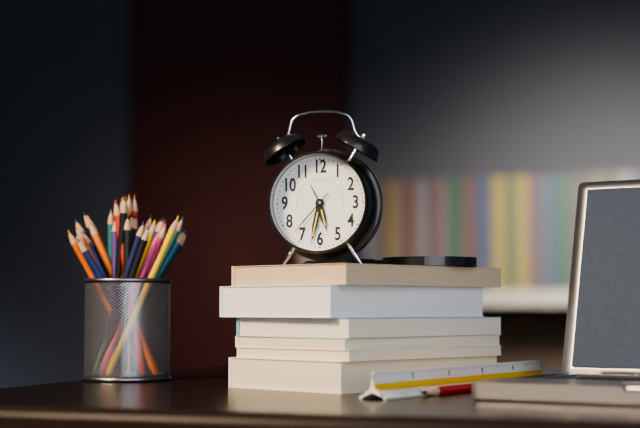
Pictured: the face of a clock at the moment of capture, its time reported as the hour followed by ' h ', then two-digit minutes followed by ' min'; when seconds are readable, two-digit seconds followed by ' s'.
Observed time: 5 h 32 min 37 s
